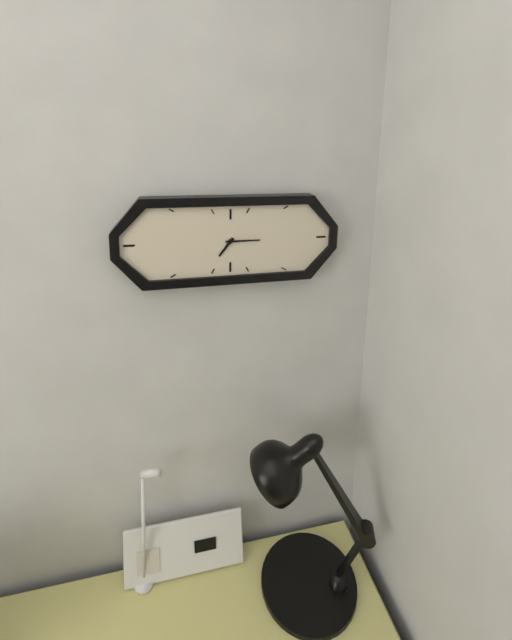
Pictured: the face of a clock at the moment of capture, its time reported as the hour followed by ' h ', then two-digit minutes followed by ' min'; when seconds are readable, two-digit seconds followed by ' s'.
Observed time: 7 h 15 min
